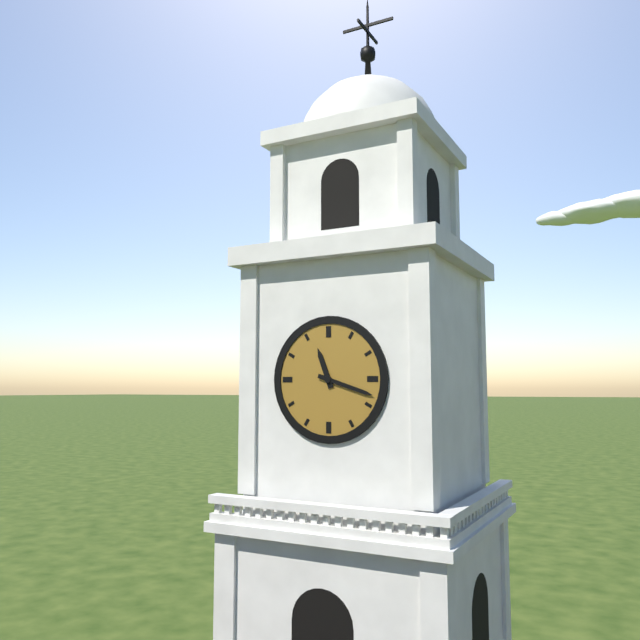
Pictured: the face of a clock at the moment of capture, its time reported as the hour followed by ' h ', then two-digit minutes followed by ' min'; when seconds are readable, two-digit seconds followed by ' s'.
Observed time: 11 h 18 min
